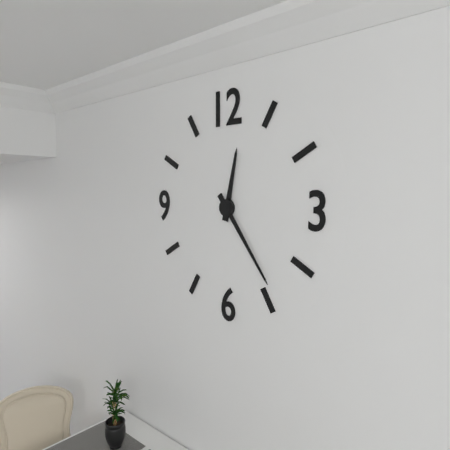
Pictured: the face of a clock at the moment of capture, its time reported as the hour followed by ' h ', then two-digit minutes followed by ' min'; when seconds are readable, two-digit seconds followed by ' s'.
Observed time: 12 h 24 min
